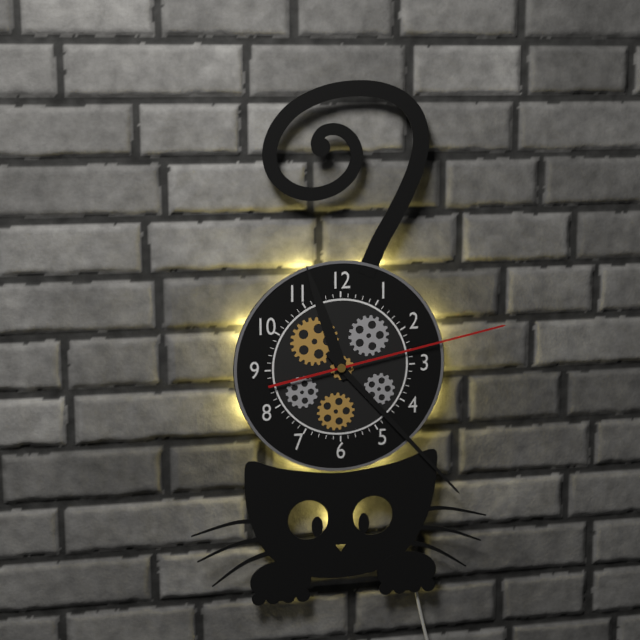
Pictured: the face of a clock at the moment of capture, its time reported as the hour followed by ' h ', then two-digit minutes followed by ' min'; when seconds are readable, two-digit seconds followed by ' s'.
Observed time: 11 h 23 min 13 s
